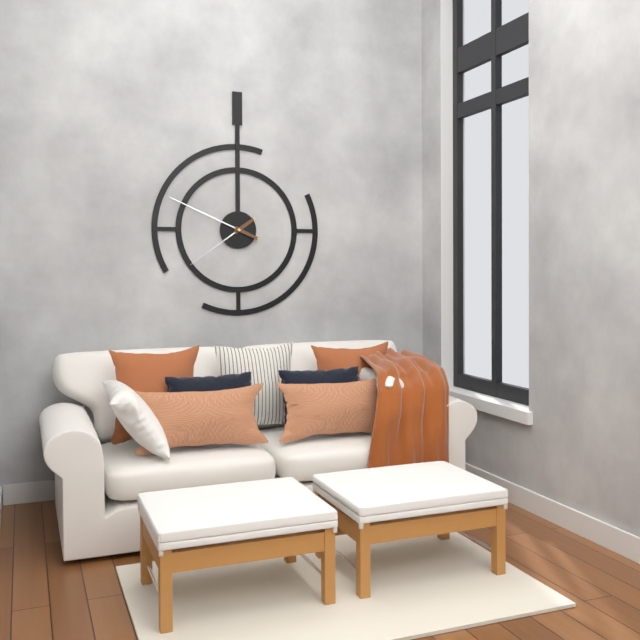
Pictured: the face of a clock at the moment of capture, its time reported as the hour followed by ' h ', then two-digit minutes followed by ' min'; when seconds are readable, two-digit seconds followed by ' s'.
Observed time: 7 h 49 min
